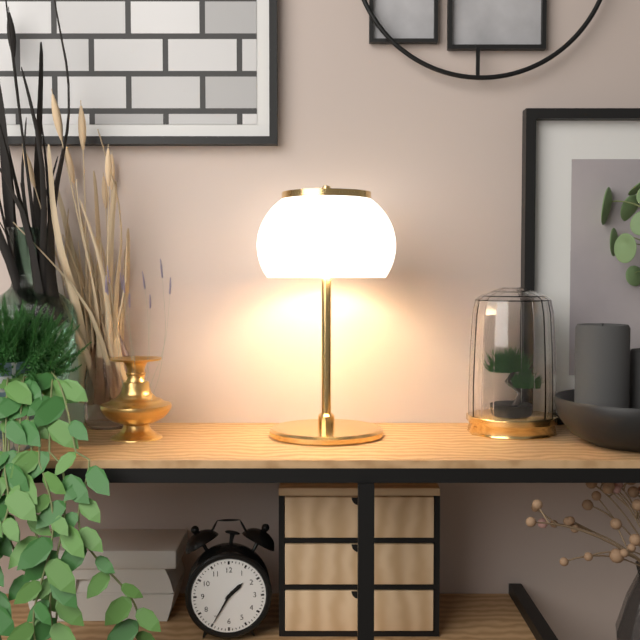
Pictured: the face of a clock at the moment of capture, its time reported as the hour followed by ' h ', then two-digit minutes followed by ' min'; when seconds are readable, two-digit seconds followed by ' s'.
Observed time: 1 h 35 min
